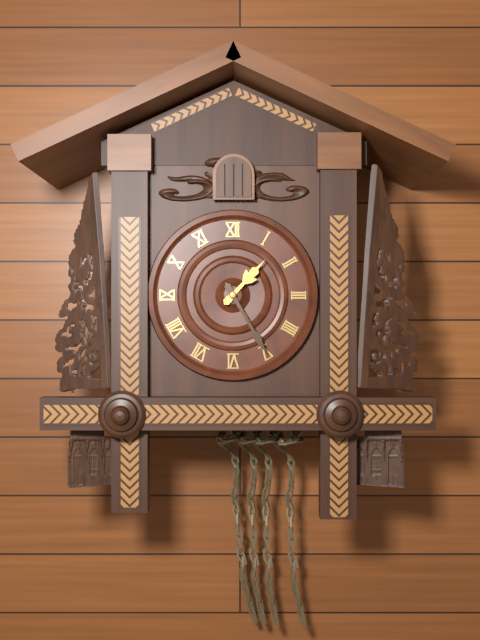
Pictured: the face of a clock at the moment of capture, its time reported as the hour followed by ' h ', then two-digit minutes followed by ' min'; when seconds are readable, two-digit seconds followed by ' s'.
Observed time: 1 h 25 min
